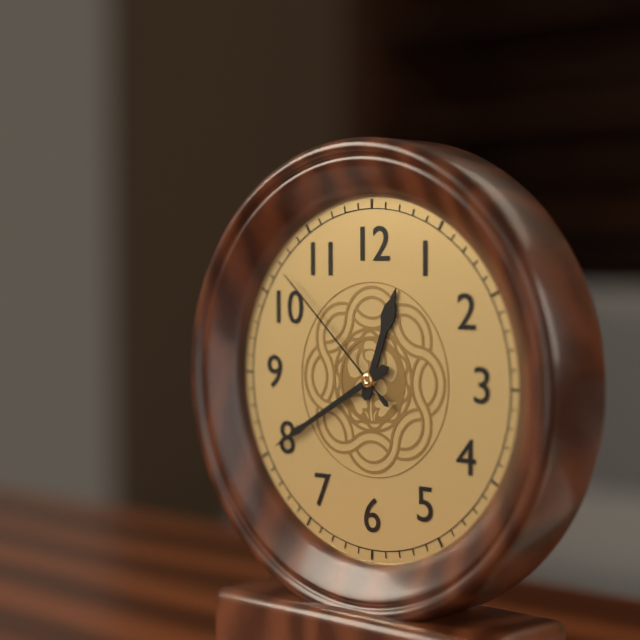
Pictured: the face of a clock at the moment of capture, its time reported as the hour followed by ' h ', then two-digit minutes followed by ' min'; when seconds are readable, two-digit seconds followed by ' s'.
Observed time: 12 h 40 min 52 s
